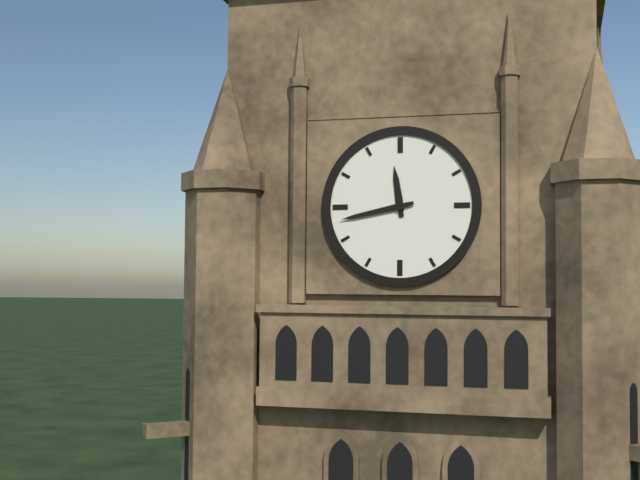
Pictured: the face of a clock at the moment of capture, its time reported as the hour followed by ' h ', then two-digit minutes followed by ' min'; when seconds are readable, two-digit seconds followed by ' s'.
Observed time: 11 h 43 min
